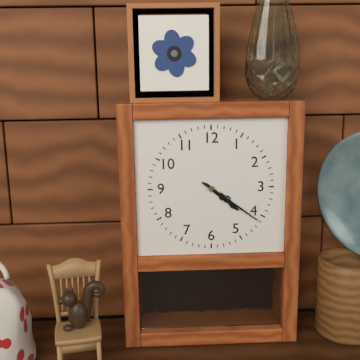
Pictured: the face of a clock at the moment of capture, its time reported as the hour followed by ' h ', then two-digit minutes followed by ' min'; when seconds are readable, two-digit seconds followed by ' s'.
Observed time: 4 h 21 min
